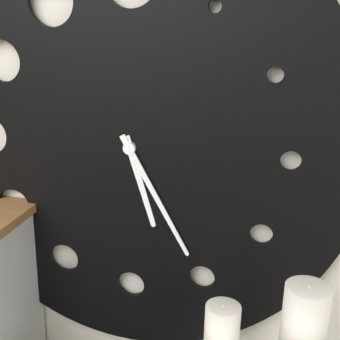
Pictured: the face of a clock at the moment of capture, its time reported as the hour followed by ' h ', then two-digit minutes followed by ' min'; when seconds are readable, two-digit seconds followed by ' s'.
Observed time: 5 h 25 min
